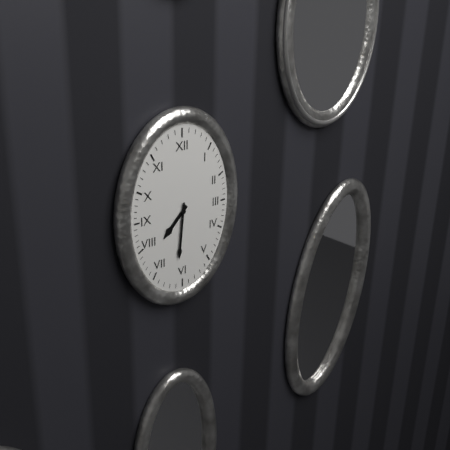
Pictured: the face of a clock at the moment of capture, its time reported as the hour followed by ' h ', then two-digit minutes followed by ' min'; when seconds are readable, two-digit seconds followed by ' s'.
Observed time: 7 h 31 min
